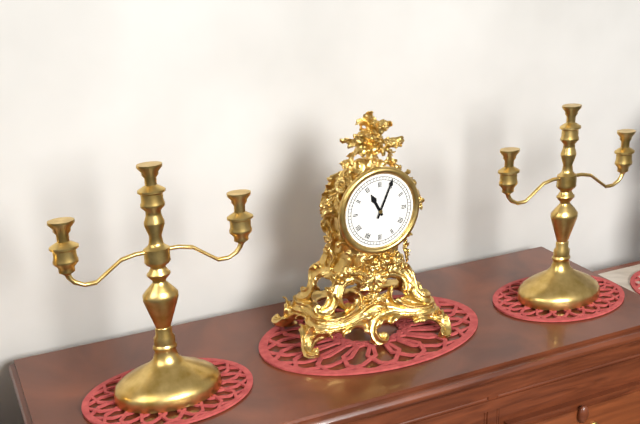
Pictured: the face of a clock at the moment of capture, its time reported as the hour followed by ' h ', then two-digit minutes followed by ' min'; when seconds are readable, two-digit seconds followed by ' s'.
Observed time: 11 h 04 min
